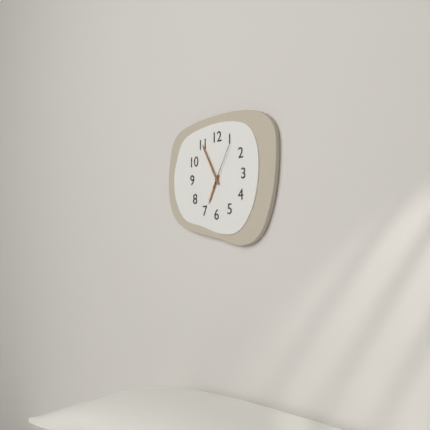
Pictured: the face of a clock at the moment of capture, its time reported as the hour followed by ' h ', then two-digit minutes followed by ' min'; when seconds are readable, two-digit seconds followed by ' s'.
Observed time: 6 h 55 min
